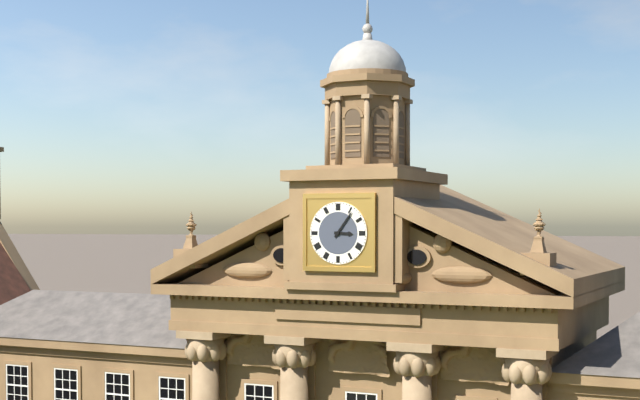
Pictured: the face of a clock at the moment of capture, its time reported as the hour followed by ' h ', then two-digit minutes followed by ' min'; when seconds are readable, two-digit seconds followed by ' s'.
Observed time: 3 h 06 min
